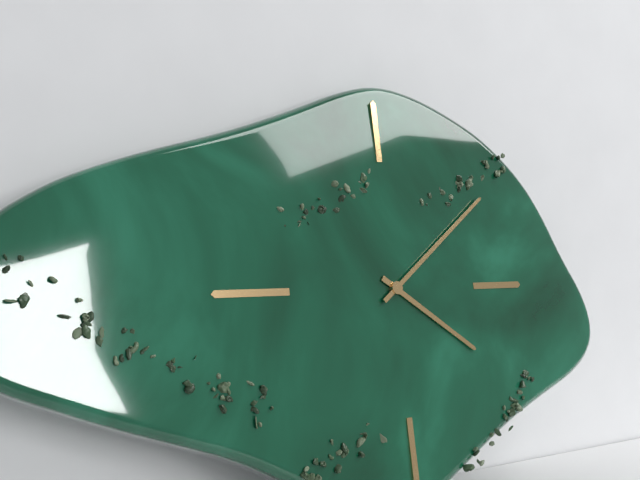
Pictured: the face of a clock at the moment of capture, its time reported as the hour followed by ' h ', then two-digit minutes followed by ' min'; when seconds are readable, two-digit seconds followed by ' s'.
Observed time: 4 h 09 min
